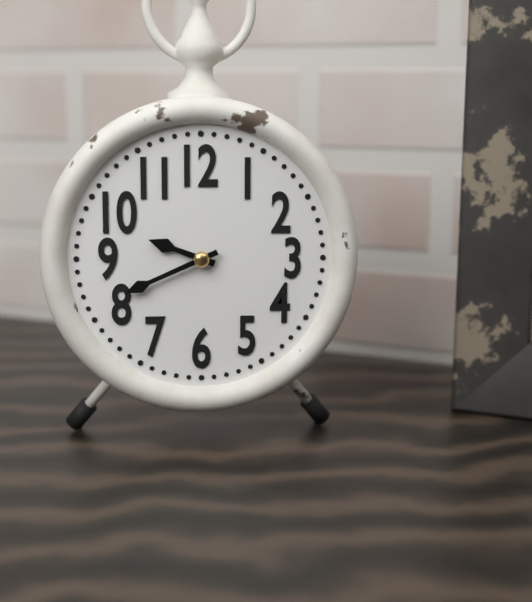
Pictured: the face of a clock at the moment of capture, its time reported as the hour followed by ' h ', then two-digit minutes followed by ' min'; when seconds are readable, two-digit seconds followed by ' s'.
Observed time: 9 h 41 min
